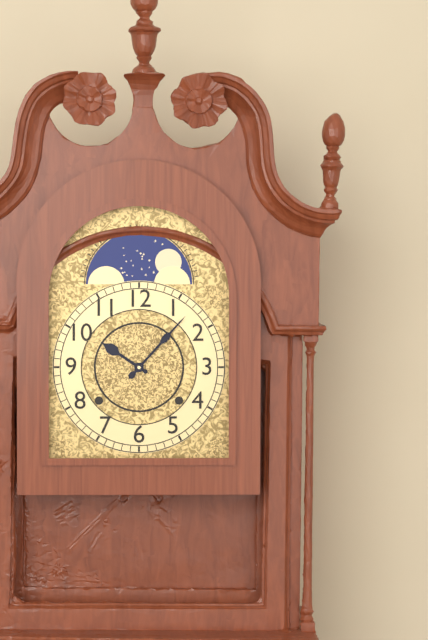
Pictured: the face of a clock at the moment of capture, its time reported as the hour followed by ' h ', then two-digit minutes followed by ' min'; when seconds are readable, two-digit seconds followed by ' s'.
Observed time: 10 h 07 min
